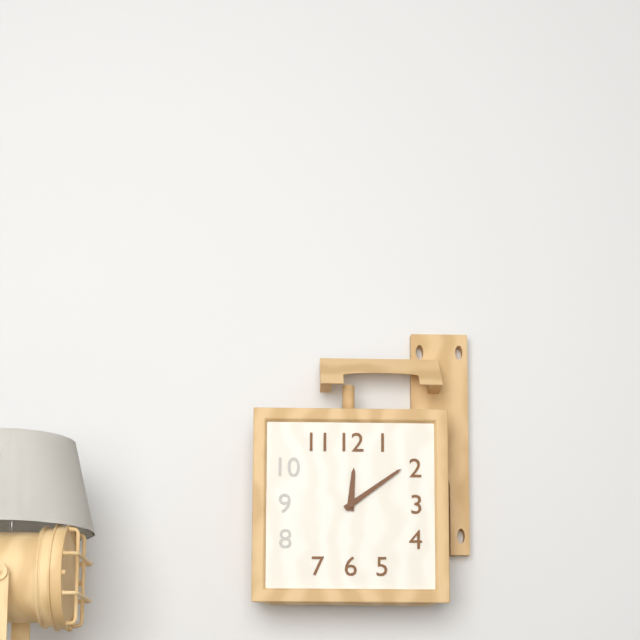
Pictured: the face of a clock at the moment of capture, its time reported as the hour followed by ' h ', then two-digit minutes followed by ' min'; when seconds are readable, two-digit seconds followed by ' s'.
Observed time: 12 h 09 min
